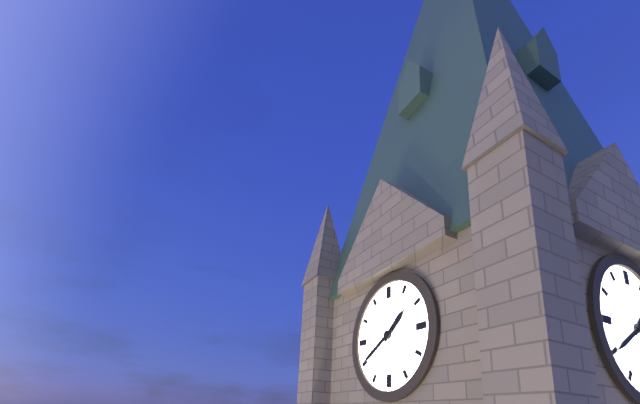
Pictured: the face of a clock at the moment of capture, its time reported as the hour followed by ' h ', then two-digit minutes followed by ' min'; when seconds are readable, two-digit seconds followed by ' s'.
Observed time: 1 h 40 min
